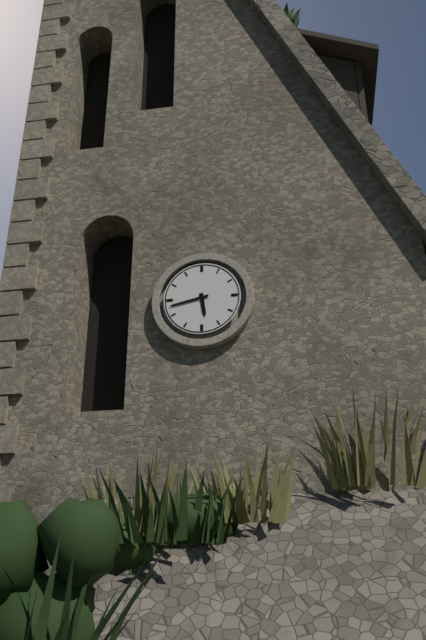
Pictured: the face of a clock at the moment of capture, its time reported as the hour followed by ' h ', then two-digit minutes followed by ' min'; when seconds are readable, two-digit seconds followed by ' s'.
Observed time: 5 h 43 min
